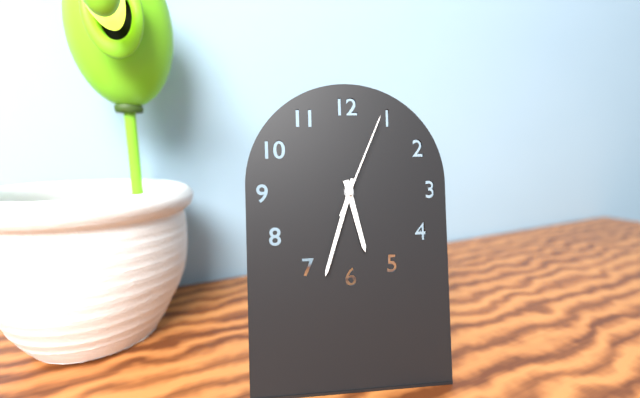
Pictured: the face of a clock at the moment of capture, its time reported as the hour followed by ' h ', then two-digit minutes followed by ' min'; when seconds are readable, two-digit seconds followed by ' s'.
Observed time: 5 h 33 min 04 s
